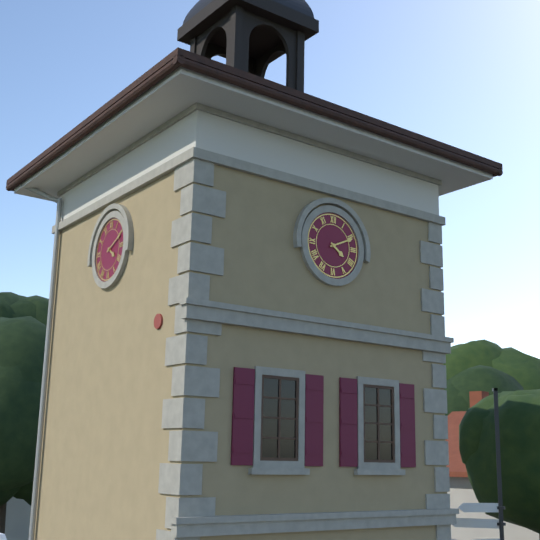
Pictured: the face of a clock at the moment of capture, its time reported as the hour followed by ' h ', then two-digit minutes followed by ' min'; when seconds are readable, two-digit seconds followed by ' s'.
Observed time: 4 h 11 min
